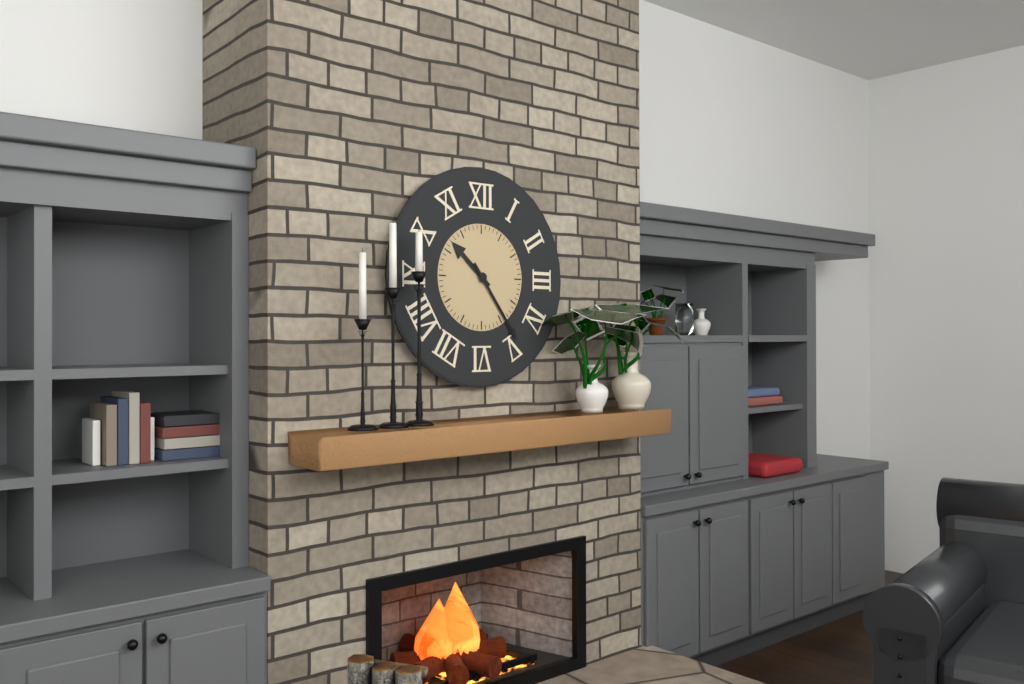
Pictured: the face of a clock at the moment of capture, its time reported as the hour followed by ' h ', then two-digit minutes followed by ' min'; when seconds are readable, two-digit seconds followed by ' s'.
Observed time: 10 h 24 min
